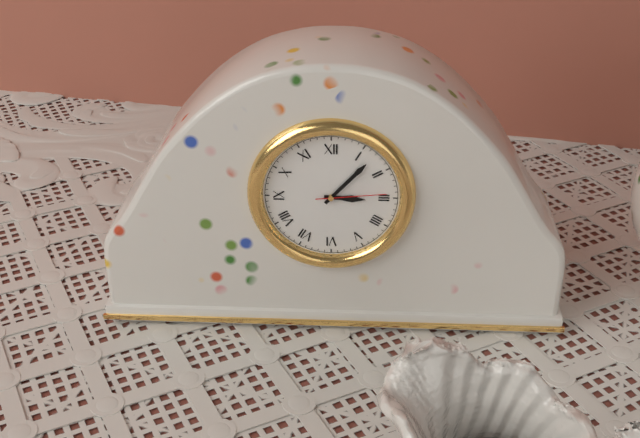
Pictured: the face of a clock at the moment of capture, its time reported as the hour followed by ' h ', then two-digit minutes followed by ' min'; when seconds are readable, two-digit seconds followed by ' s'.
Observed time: 3 h 07 min 14 s
